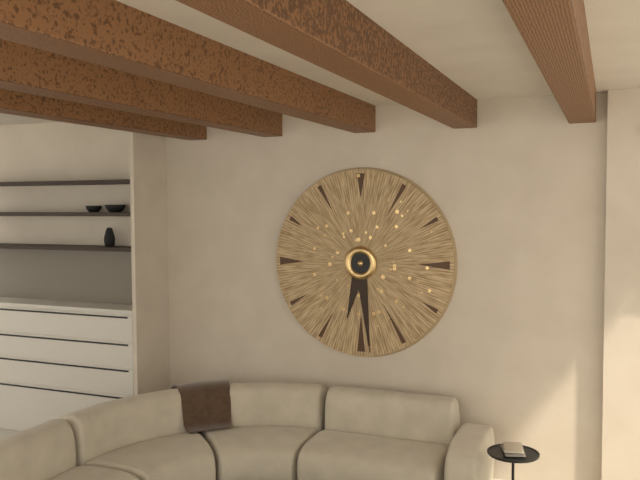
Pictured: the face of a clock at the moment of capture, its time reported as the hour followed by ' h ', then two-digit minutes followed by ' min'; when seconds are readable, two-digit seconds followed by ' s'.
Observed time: 6 h 29 min
